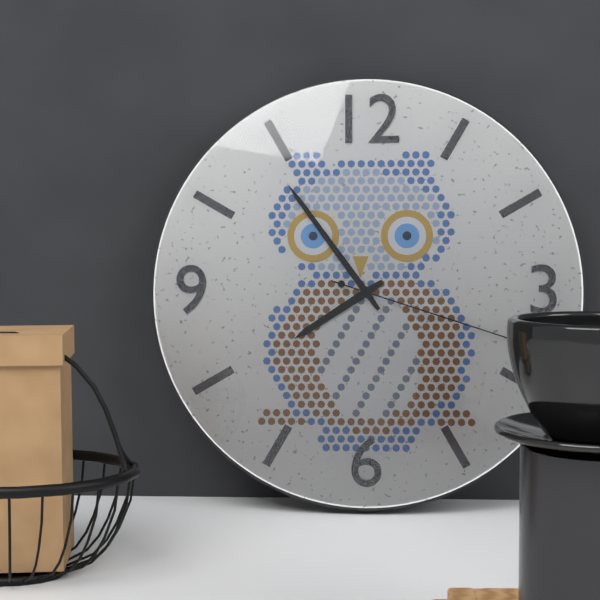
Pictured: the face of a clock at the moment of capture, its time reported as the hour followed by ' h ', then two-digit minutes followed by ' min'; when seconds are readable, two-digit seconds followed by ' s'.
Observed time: 7 h 54 min 18 s
